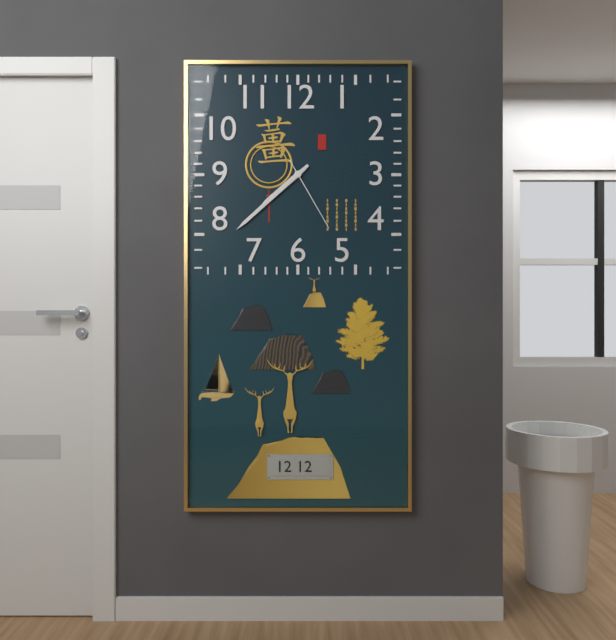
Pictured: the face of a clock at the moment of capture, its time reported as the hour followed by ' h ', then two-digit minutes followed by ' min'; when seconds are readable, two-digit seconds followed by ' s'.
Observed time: 7 h 38 min 25 s
